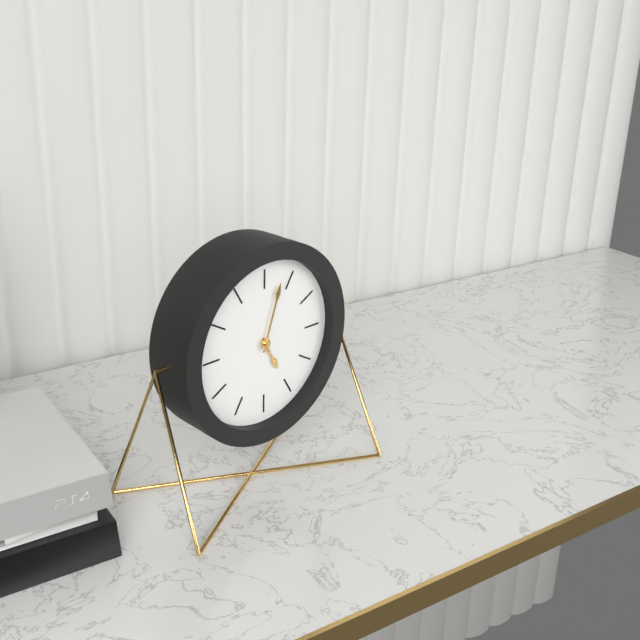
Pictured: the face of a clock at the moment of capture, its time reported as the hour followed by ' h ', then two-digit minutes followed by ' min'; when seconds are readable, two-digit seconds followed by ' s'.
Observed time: 5 h 03 min
